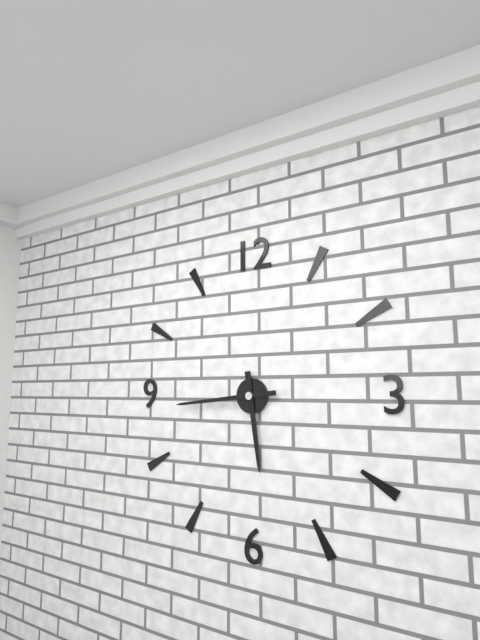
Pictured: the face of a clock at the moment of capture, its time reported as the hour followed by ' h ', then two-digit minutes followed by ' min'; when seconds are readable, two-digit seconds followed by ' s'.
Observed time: 5 h 44 min
